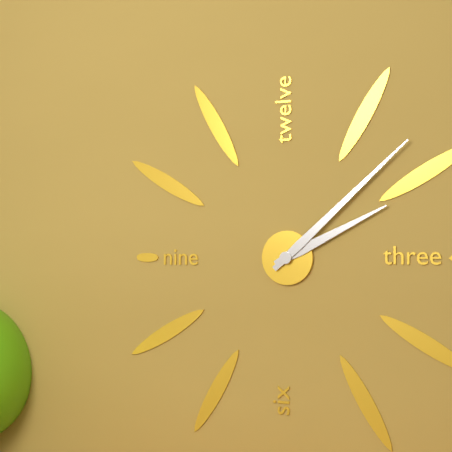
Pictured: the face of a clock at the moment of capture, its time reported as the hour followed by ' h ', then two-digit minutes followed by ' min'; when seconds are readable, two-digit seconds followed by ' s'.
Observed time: 2 h 08 min
